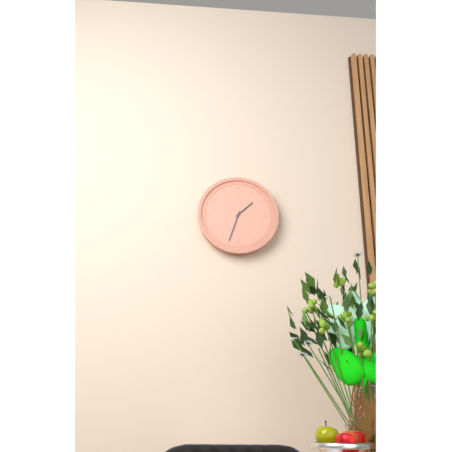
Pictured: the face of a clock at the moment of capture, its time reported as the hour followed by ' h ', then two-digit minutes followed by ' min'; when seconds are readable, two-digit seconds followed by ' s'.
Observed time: 1 h 33 min
